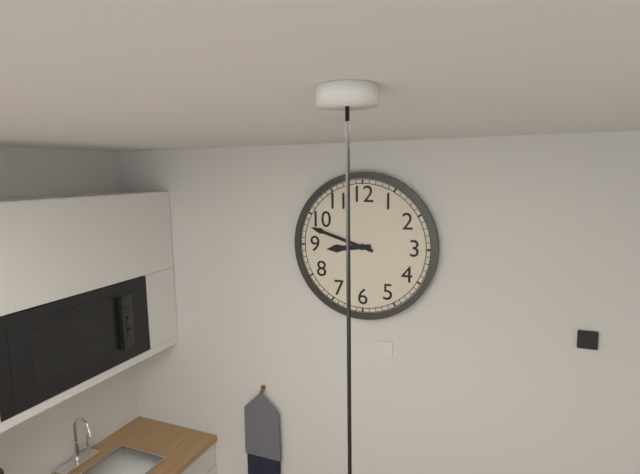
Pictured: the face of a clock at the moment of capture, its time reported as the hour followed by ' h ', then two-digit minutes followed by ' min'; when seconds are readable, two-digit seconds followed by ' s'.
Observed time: 8 h 48 min
